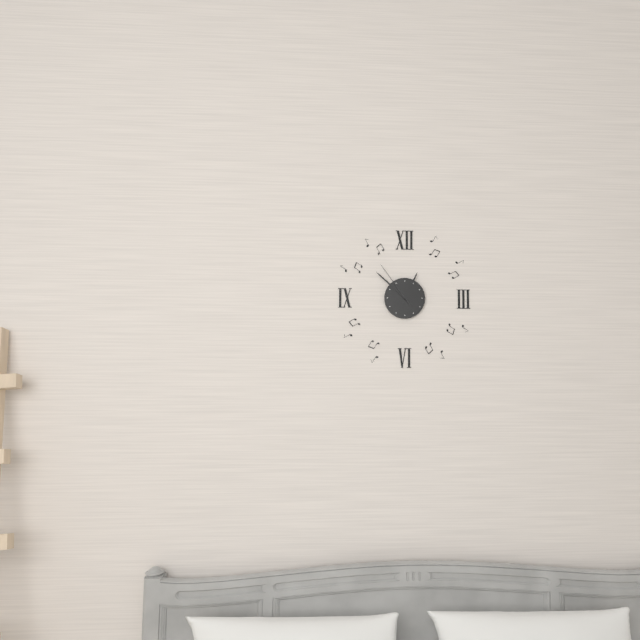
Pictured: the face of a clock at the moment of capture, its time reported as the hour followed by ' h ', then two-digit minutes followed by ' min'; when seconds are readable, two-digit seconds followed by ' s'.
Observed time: 12 h 52 min 54 s
